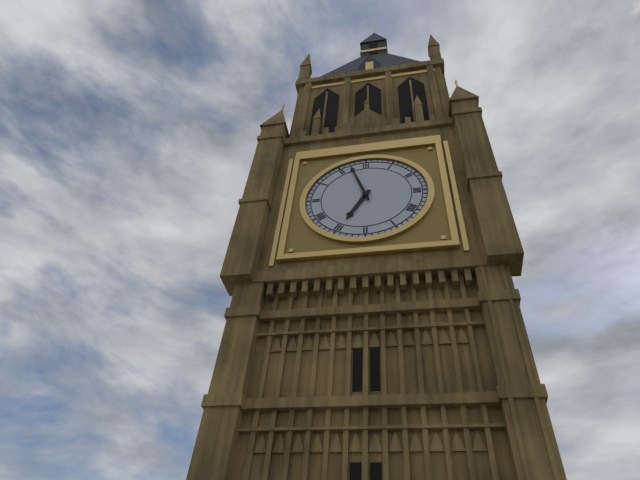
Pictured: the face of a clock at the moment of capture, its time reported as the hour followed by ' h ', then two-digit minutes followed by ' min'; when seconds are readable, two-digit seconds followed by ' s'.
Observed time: 6 h 57 min
